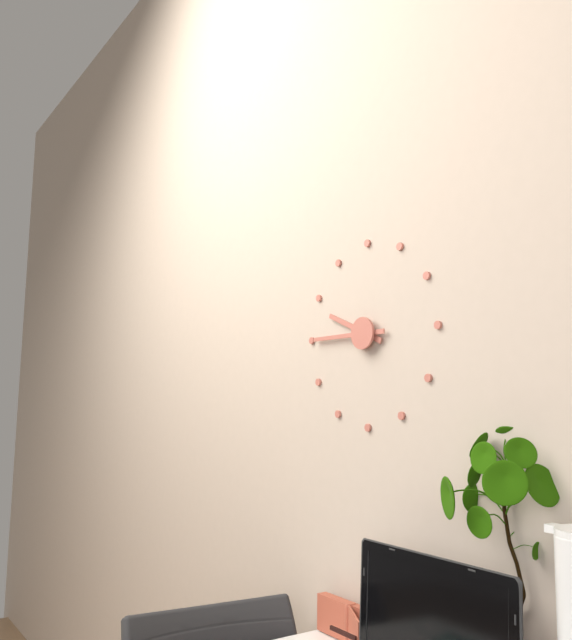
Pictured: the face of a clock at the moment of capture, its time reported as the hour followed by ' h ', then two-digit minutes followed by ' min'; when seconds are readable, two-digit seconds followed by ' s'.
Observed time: 9 h 45 min
